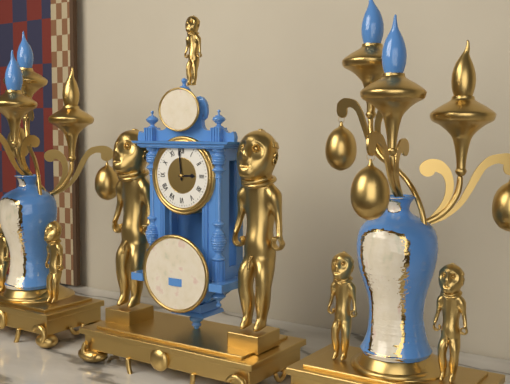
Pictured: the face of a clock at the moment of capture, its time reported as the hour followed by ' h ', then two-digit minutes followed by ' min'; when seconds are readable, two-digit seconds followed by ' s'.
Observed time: 2 h 59 min
